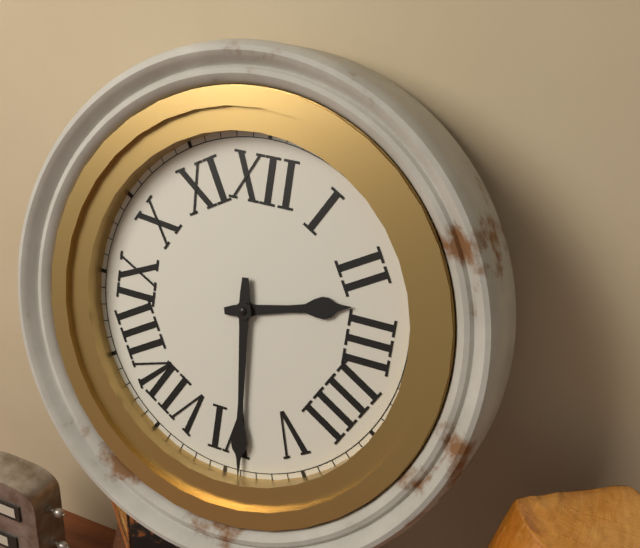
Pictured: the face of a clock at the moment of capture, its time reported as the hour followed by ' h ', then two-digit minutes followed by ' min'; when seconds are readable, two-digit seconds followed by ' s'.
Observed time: 2 h 29 min
